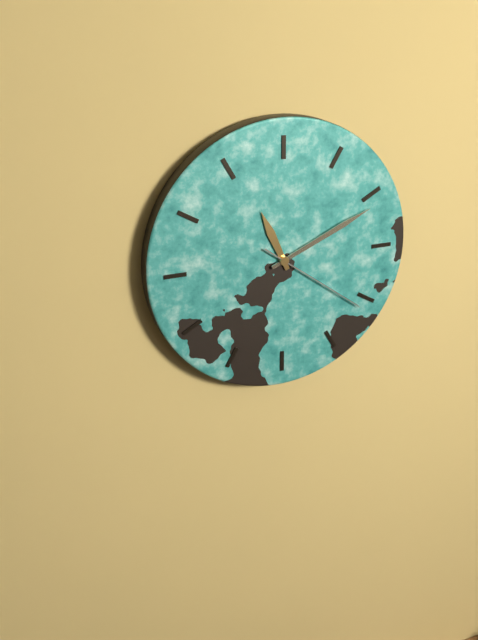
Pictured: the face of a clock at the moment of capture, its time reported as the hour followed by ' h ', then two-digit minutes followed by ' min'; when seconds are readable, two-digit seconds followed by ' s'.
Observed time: 11 h 11 min 21 s
